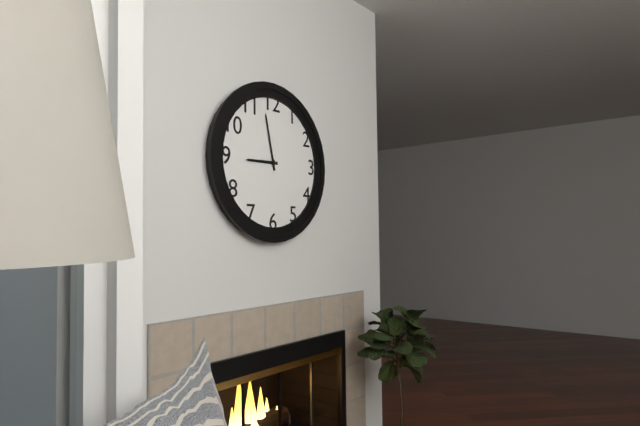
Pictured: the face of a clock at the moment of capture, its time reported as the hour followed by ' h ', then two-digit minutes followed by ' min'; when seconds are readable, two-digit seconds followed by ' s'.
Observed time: 8 h 58 min
